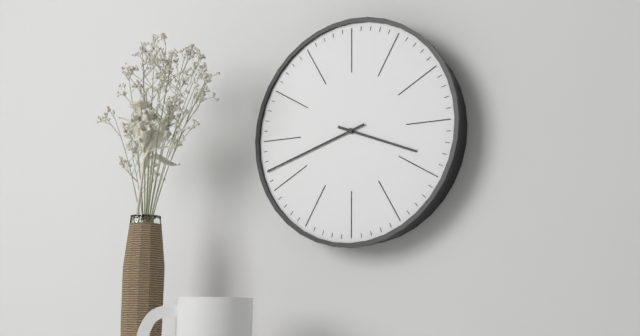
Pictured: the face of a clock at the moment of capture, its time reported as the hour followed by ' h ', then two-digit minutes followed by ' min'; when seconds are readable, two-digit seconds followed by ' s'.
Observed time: 3 h 42 min
